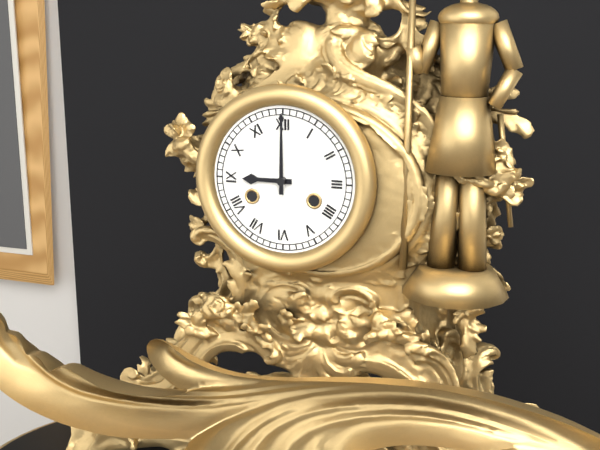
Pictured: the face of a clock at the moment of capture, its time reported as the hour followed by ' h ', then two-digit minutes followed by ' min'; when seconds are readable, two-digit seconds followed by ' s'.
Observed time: 9 h 00 min
